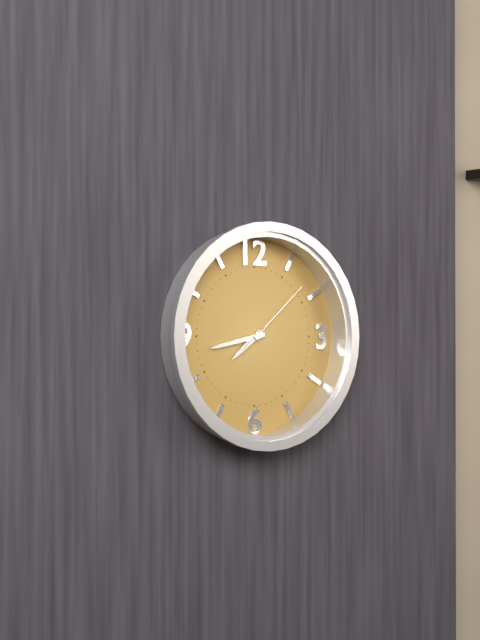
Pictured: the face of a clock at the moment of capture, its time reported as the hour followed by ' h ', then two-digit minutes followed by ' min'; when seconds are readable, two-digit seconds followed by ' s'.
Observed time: 7 h 43 min 08 s
